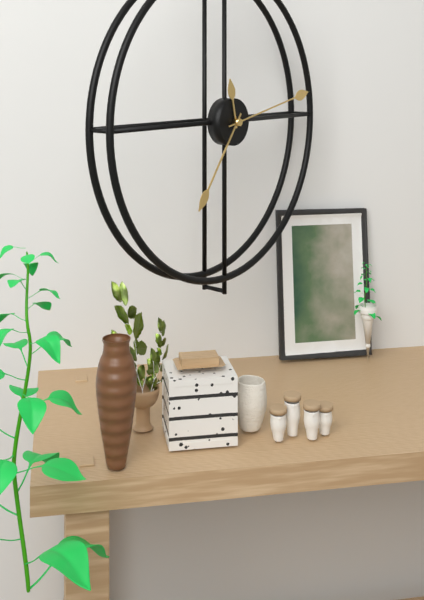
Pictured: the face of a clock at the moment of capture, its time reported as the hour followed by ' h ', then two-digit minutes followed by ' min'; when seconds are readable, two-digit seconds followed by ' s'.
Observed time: 11 h 36 min 13 s
